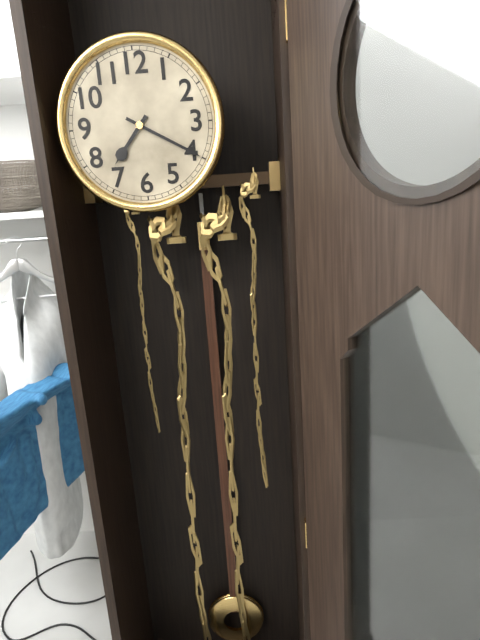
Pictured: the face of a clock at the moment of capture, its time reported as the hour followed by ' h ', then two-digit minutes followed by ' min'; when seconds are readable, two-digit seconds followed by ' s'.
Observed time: 7 h 20 min
